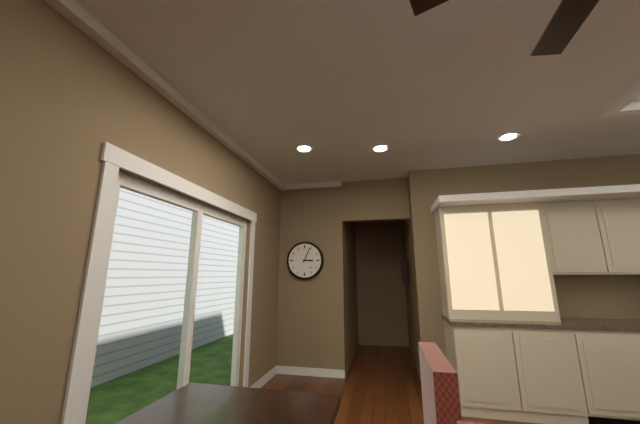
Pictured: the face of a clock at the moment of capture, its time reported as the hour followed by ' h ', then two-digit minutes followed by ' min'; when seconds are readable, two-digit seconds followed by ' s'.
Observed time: 3 h 04 min
